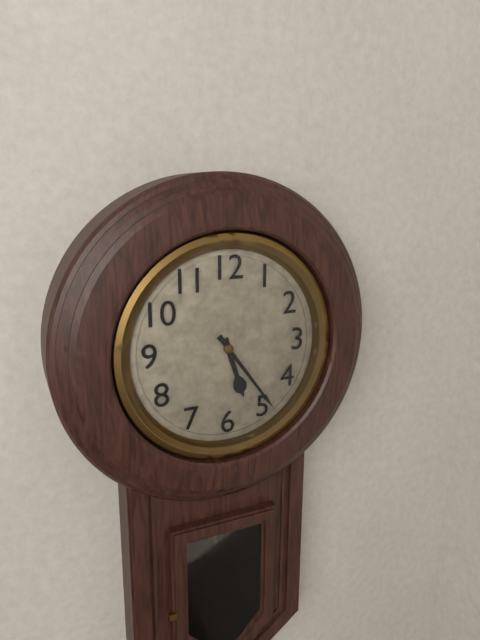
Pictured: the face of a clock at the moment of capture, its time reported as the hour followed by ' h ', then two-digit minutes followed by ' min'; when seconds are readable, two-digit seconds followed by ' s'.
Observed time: 5 h 24 min
